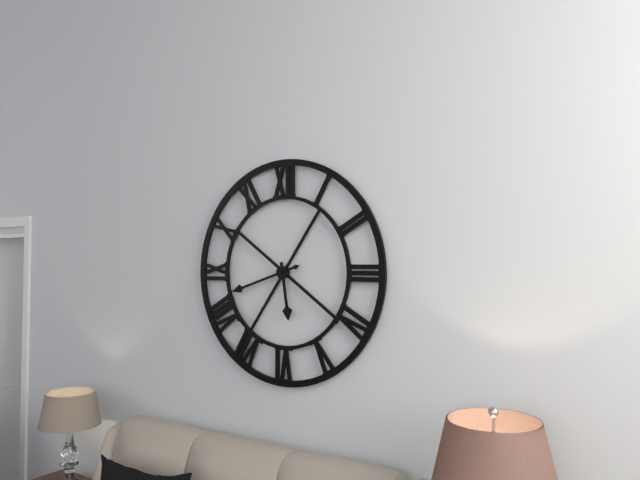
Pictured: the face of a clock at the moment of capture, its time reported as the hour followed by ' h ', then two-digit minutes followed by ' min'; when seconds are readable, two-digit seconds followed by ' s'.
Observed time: 5 h 42 min
